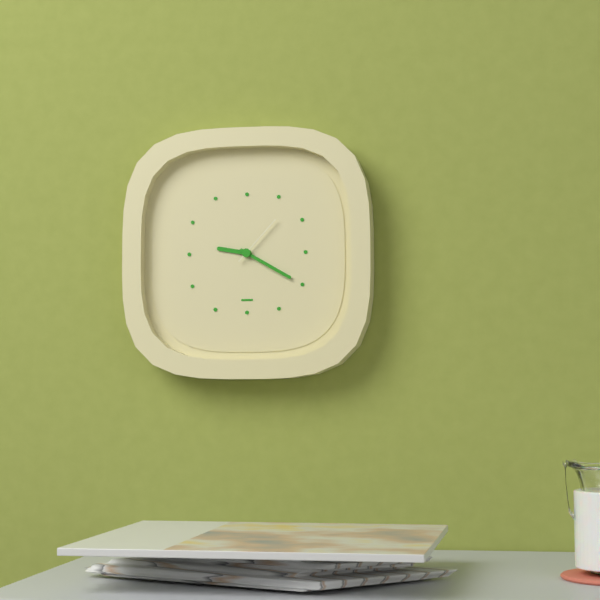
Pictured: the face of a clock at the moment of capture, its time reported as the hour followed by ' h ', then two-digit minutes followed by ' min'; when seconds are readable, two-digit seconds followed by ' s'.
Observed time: 9 h 20 min 07 s
